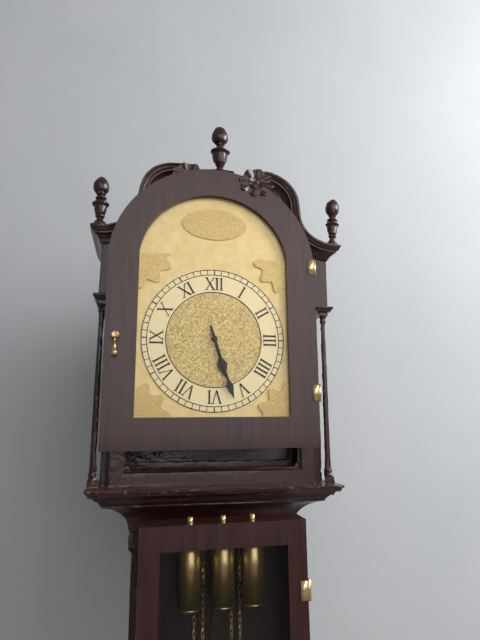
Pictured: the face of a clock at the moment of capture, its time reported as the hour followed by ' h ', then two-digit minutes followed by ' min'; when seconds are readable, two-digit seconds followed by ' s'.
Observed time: 5 h 27 min
